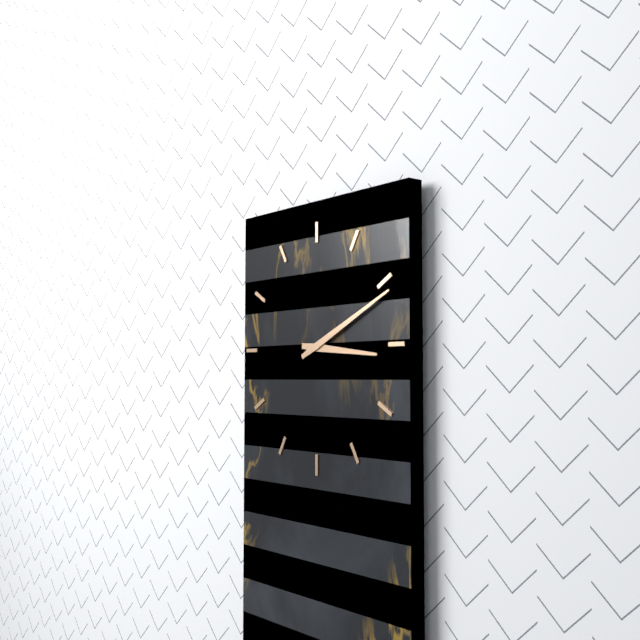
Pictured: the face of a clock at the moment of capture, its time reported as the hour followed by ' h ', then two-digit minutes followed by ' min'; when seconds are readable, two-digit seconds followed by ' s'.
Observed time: 3 h 11 min
